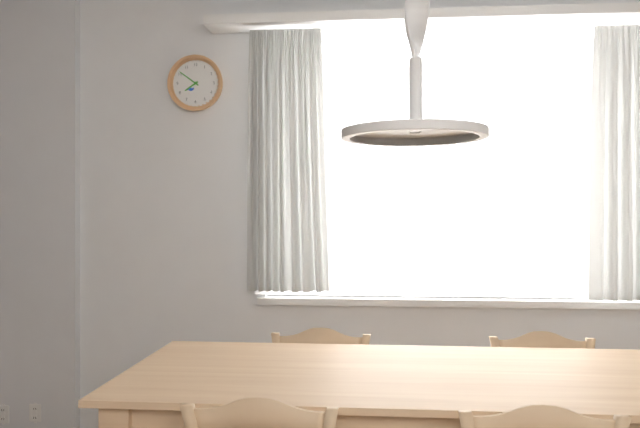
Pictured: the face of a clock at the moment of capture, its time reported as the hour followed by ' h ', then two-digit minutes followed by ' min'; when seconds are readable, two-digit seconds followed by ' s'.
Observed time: 7 h 51 min
